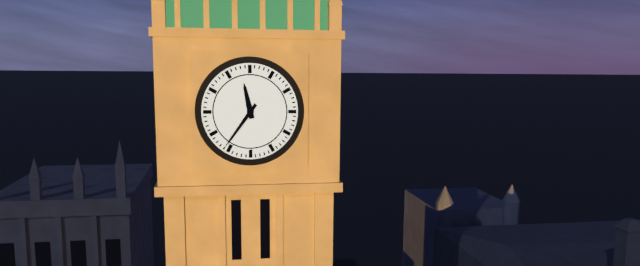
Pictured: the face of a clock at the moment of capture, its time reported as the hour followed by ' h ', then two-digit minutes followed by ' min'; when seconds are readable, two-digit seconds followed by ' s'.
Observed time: 11 h 36 min
